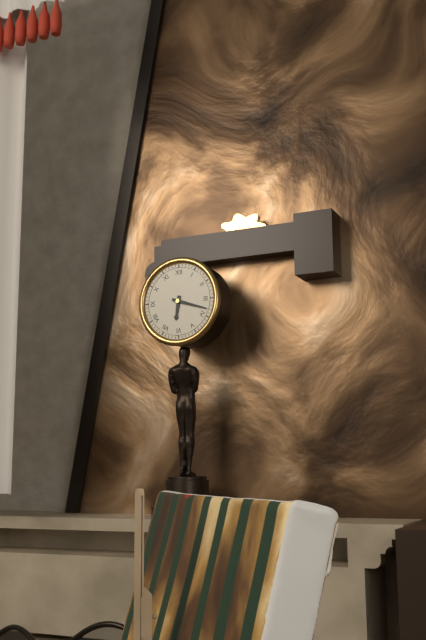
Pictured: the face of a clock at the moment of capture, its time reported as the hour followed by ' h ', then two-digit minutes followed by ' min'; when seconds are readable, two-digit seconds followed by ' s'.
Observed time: 6 h 18 min
